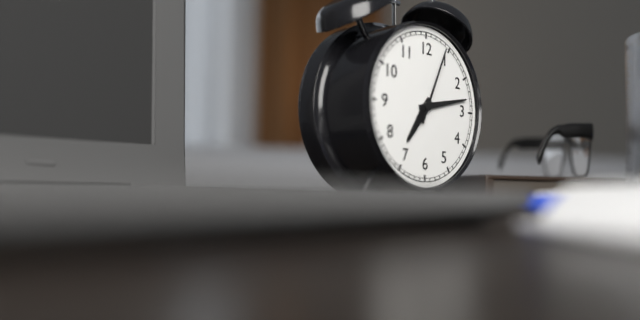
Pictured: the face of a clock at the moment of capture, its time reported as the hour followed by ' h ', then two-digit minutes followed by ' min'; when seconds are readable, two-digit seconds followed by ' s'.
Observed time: 7 h 13 min 04 s
